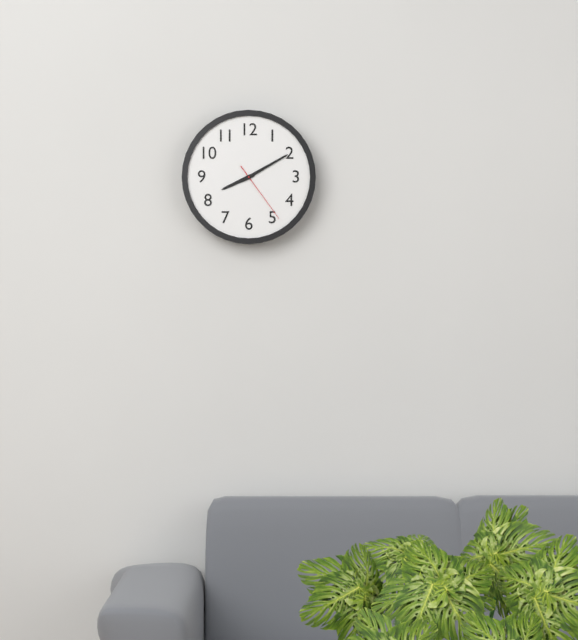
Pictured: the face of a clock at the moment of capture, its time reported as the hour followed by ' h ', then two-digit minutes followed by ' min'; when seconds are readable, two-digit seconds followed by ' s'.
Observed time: 8 h 10 min 24 s
